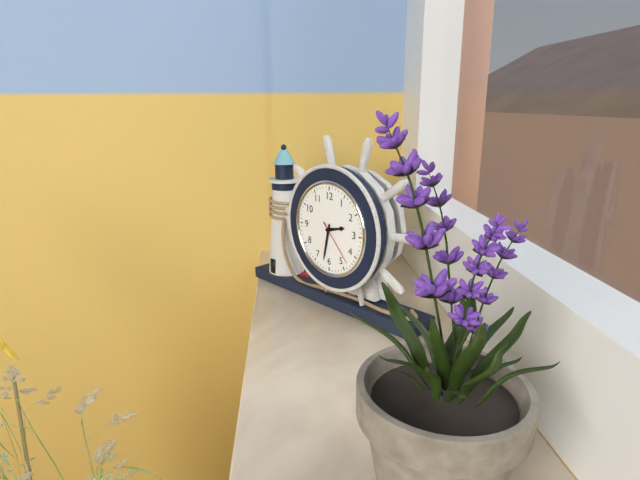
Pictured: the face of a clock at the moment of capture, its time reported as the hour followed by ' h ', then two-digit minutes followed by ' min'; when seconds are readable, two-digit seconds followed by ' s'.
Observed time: 2 h 32 min
